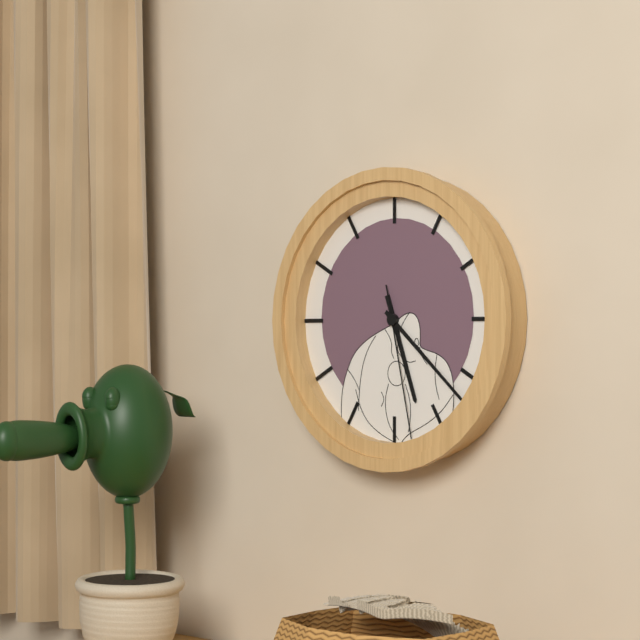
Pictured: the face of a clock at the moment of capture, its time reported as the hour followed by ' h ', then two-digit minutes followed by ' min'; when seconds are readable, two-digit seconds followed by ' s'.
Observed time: 5 h 22 min 28 s
